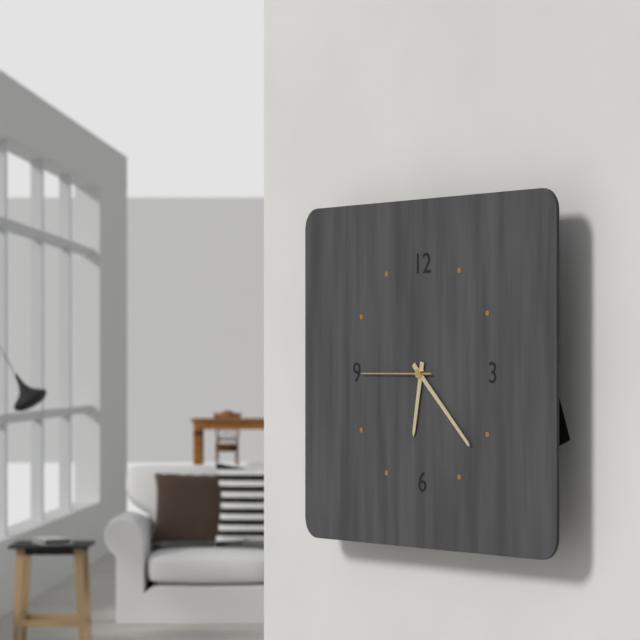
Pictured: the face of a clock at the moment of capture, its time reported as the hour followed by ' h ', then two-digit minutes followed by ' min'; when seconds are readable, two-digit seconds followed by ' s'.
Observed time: 6 h 22 min 45 s
